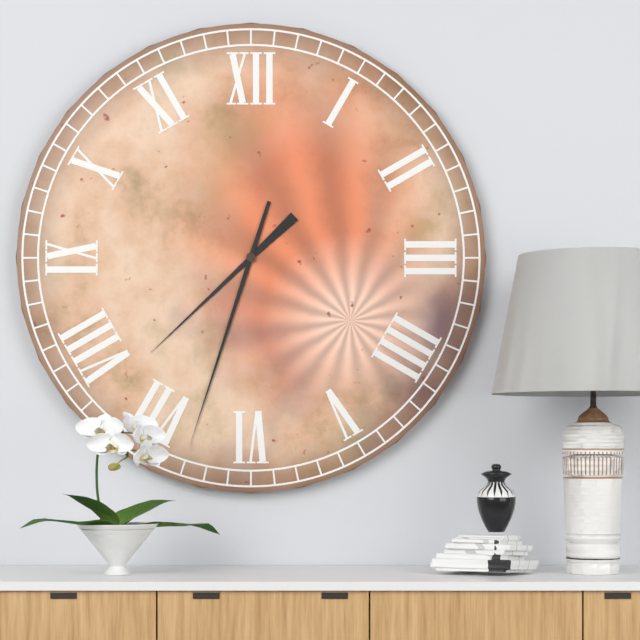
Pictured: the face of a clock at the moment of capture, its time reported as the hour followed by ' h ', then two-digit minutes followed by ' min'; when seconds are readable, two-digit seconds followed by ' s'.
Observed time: 7 h 33 min
